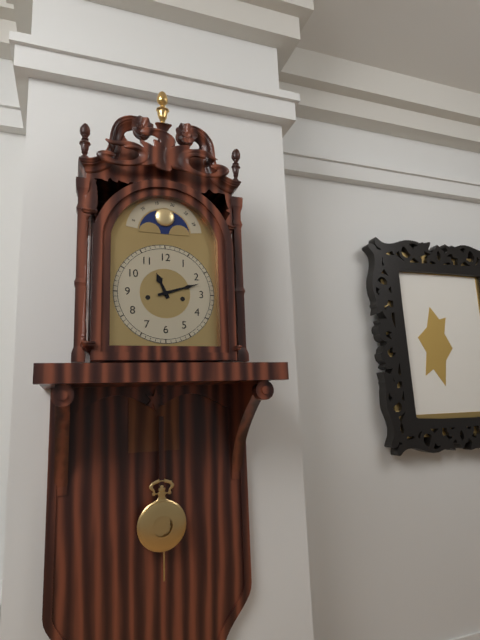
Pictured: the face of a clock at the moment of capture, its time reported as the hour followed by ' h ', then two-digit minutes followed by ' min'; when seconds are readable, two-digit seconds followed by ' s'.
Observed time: 11 h 12 min
